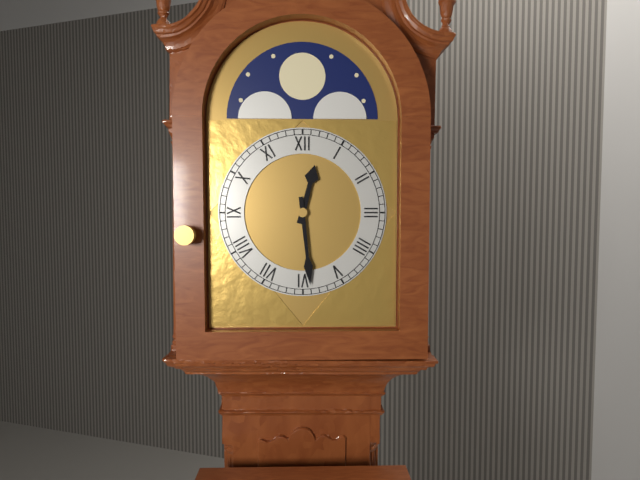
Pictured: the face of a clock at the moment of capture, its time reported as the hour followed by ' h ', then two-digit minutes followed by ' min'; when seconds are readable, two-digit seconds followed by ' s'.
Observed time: 12 h 29 min
